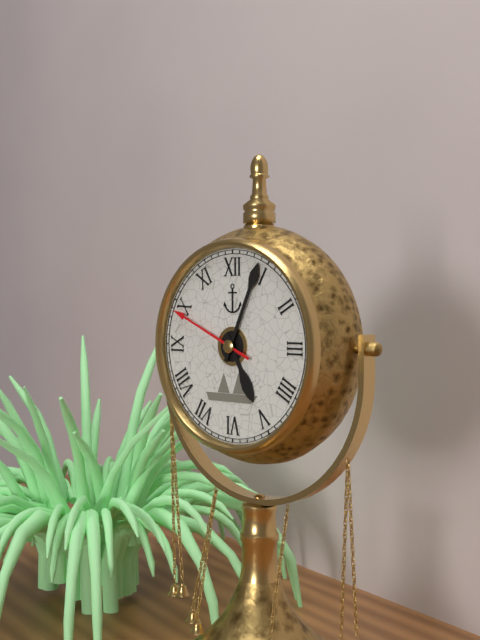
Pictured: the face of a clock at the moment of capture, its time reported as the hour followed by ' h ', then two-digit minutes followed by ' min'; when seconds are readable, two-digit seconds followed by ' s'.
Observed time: 5 h 04 min 49 s
